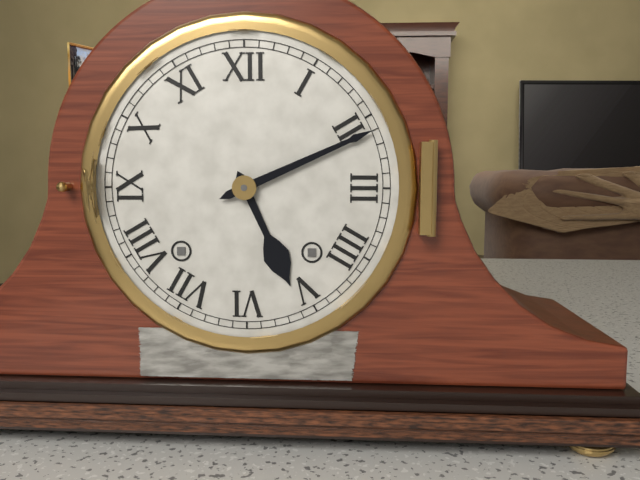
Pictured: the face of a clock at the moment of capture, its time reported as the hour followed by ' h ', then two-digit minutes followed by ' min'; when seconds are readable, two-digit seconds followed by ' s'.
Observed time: 5 h 11 min
